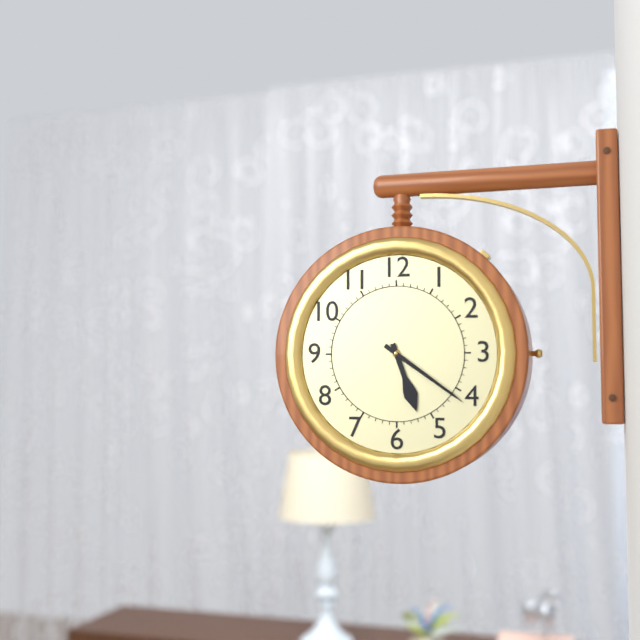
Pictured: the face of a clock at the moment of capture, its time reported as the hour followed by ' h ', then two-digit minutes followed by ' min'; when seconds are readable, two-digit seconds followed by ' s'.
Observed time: 5 h 21 min
